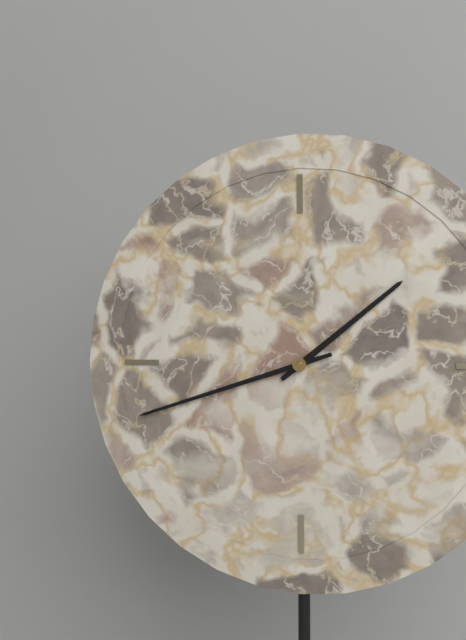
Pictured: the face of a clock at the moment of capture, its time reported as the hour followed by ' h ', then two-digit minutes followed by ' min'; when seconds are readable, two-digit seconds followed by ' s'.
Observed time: 1 h 42 min
